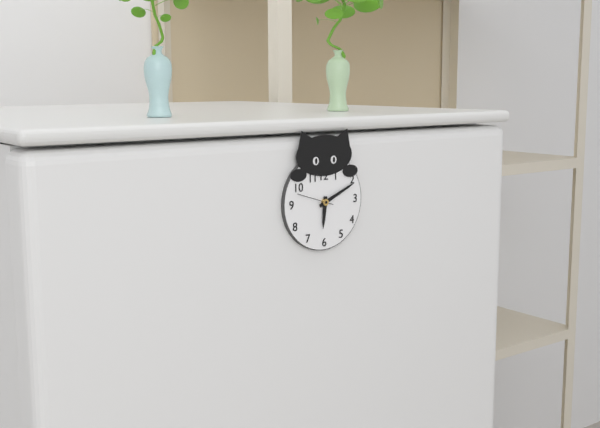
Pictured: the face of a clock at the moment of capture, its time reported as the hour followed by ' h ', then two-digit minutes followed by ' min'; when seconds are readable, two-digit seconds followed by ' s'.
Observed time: 6 h 11 min
